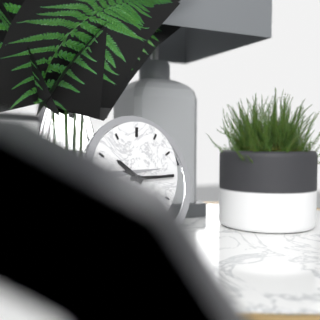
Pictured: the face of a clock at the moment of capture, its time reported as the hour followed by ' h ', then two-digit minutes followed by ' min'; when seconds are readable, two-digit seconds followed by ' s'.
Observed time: 10 h 15 min
